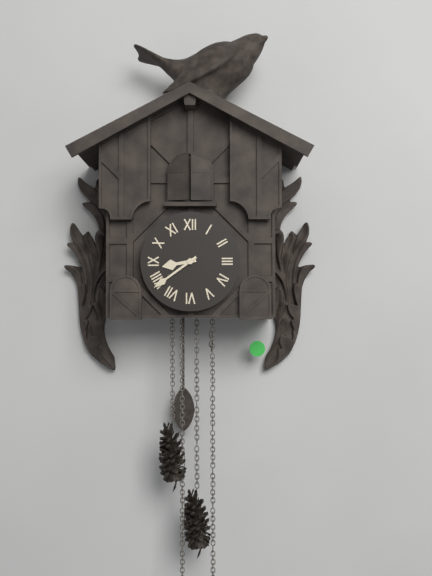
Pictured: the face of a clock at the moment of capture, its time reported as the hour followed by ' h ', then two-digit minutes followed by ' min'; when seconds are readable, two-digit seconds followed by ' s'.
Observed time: 8 h 39 min
